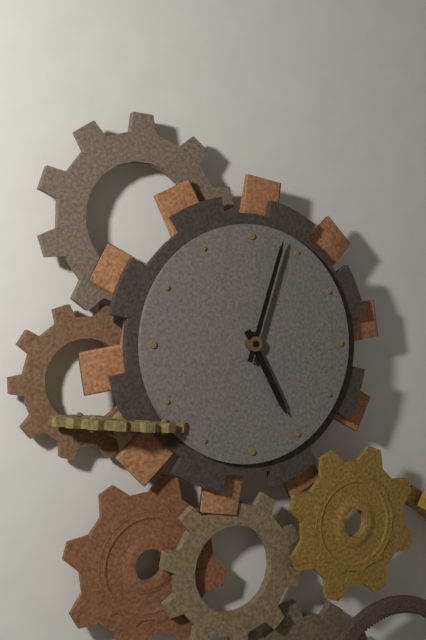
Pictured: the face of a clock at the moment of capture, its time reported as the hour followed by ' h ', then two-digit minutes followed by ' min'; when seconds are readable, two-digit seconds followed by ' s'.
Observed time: 5 h 03 min
